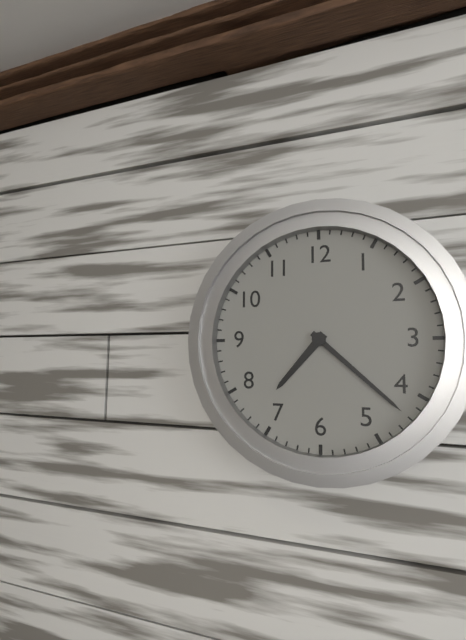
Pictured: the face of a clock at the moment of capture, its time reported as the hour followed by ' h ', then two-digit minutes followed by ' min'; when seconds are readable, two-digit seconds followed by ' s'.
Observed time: 7 h 22 min
